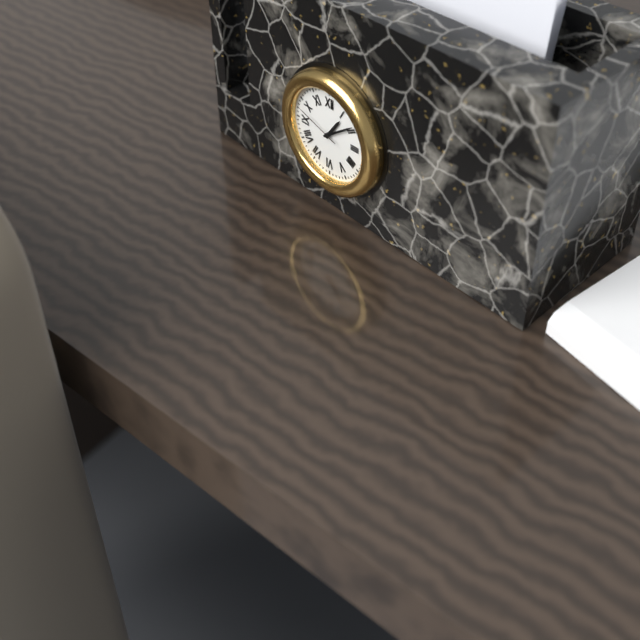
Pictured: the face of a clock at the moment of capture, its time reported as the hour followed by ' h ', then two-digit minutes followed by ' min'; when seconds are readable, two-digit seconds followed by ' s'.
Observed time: 1 h 09 min 48 s
